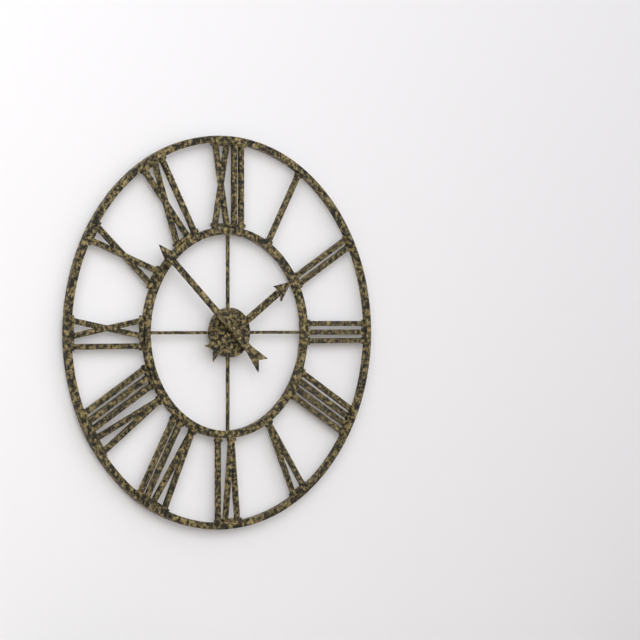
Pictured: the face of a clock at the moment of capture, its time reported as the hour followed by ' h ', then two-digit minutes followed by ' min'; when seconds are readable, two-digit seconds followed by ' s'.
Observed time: 1 h 52 min
